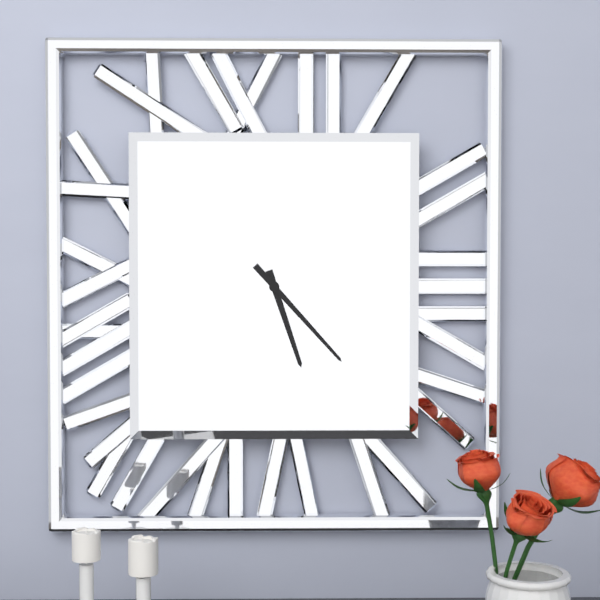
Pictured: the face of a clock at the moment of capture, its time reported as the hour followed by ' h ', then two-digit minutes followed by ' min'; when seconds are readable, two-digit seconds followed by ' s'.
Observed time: 5 h 23 min
